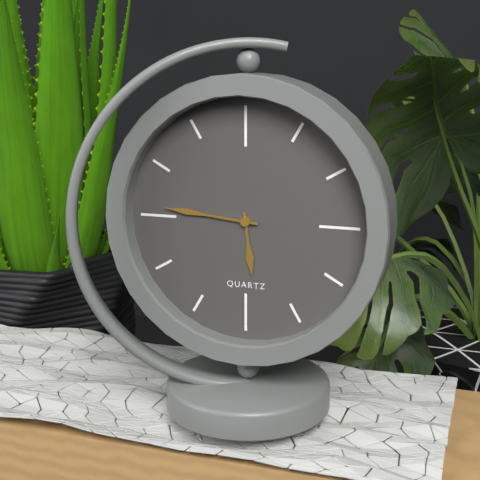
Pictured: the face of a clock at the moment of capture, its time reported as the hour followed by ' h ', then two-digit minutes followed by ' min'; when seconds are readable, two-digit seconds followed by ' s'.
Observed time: 5 h 46 min
